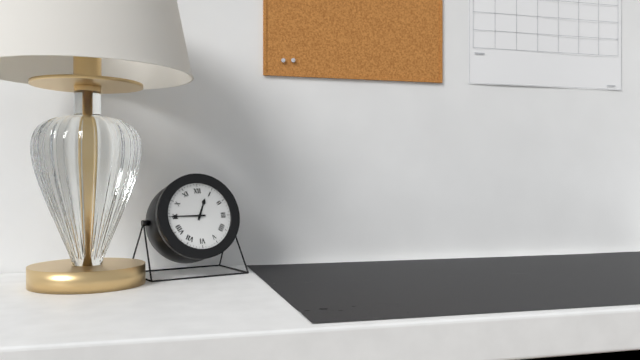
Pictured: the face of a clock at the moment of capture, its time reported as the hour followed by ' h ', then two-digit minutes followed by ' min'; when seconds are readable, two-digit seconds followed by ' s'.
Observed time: 12 h 45 min
